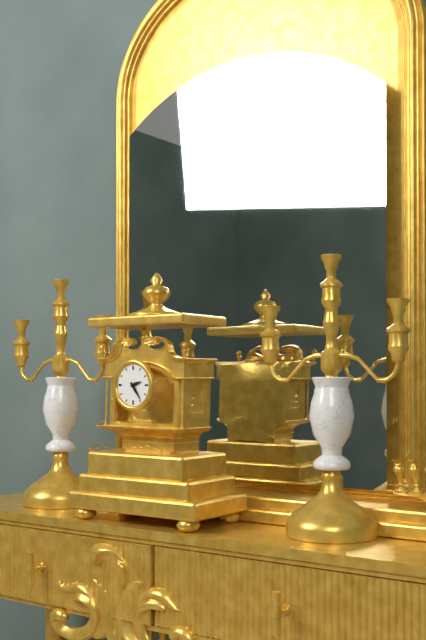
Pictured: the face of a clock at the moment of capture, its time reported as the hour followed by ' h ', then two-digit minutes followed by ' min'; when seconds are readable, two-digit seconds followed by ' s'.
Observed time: 2 h 24 min
